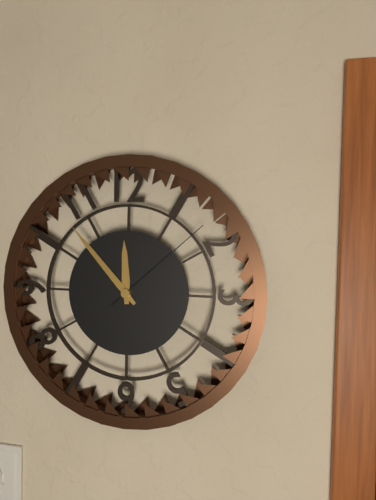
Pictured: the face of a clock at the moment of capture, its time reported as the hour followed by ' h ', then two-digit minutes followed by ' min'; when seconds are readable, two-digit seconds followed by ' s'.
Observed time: 11 h 53 min 08 s
